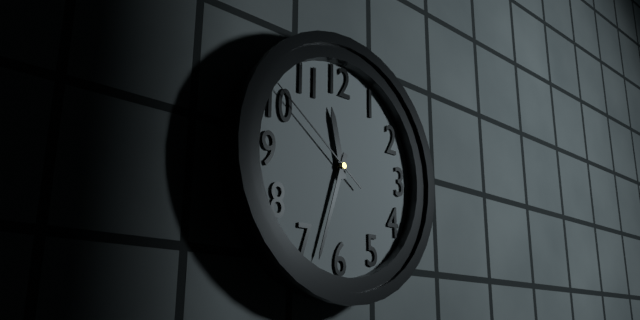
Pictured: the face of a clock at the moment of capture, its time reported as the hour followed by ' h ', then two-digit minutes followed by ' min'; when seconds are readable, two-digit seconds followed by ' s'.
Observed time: 11 h 33 min 51 s
